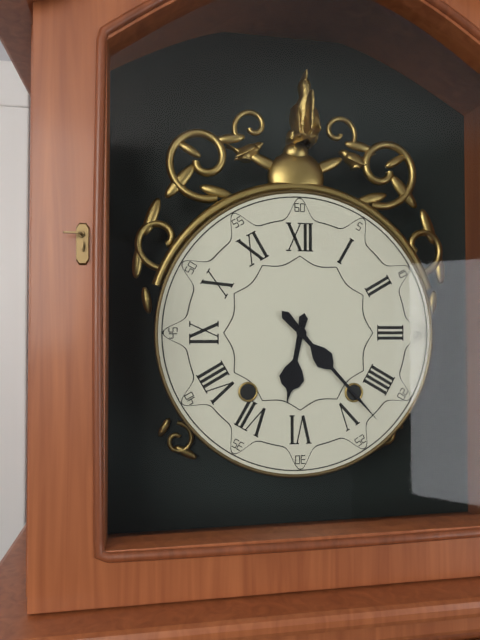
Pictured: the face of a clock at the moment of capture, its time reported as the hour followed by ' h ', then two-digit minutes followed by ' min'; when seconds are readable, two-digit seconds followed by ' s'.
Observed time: 6 h 23 min
